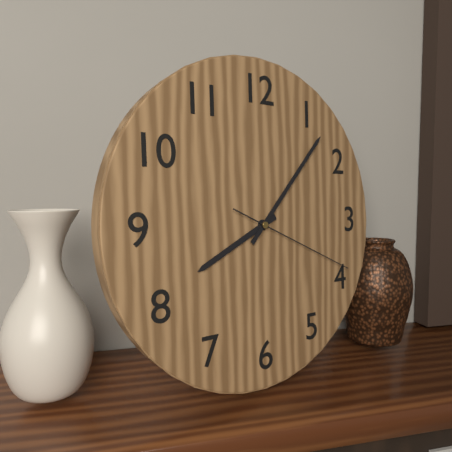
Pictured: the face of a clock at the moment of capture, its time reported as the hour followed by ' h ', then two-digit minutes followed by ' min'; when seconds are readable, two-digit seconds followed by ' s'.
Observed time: 8 h 07 min 19 s
